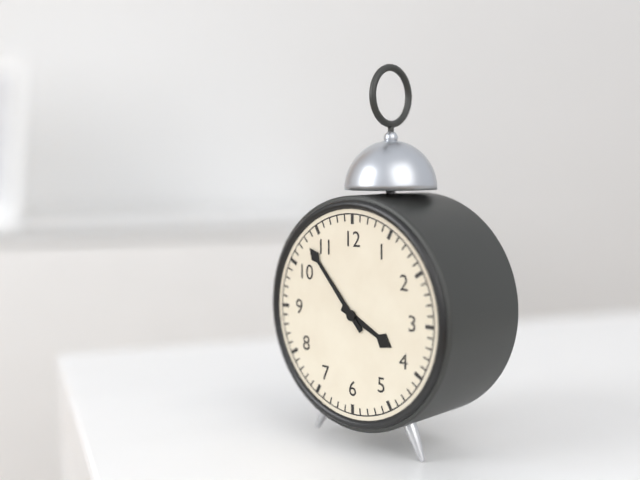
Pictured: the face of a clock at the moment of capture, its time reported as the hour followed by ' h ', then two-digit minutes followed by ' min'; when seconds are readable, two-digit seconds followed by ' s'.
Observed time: 3 h 53 min
